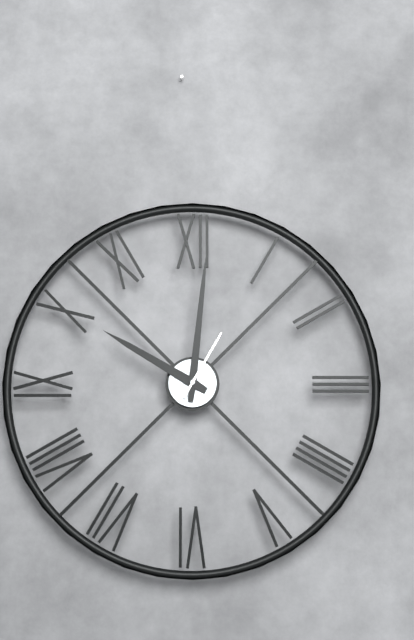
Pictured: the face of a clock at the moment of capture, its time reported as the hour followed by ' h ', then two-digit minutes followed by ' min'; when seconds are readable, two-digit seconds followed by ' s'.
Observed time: 10 h 01 min 05 s
